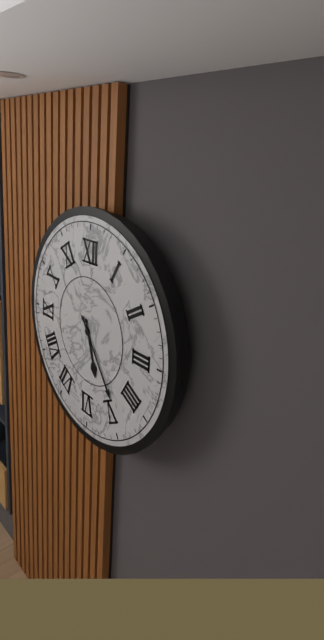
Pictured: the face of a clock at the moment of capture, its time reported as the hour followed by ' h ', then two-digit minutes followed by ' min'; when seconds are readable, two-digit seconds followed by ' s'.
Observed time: 5 h 24 min
